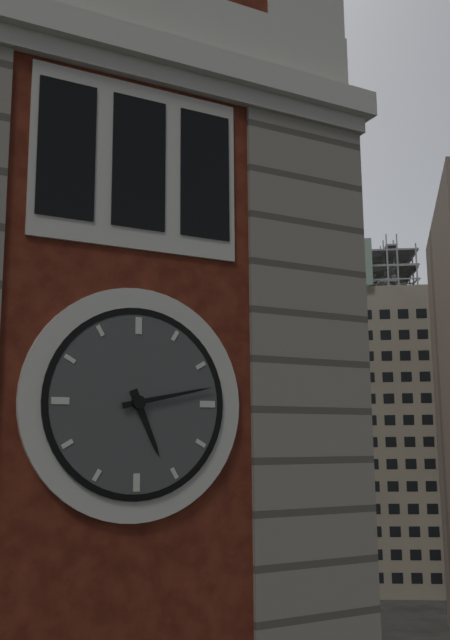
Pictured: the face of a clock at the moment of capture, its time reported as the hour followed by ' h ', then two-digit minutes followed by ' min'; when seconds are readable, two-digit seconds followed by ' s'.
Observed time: 5 h 13 min
